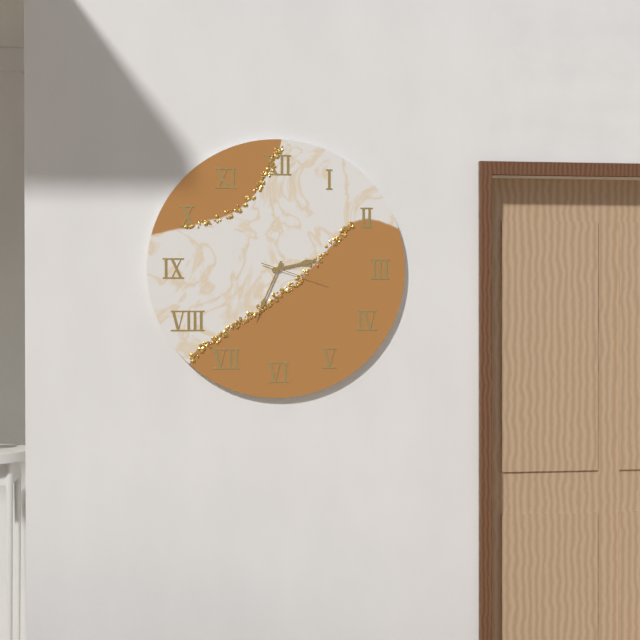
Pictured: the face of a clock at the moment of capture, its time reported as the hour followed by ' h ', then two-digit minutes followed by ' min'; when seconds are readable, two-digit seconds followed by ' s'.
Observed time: 2 h 34 min 18 s
